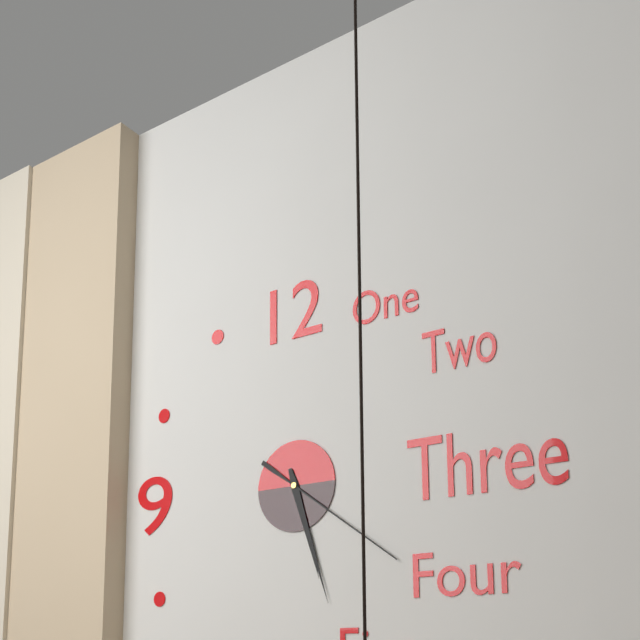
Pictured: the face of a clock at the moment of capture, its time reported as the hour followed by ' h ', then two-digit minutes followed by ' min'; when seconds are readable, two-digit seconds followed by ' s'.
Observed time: 5 h 27 min 21 s
